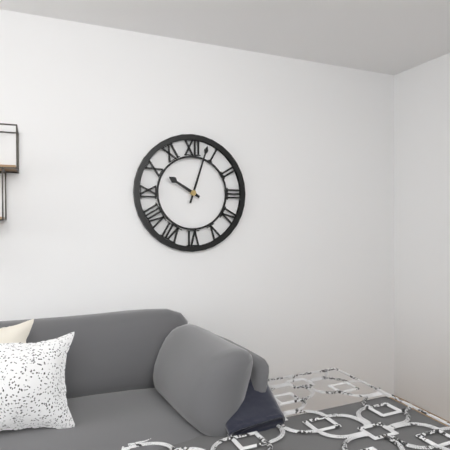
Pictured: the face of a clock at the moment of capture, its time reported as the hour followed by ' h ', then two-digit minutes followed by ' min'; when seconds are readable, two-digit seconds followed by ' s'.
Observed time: 10 h 03 min
